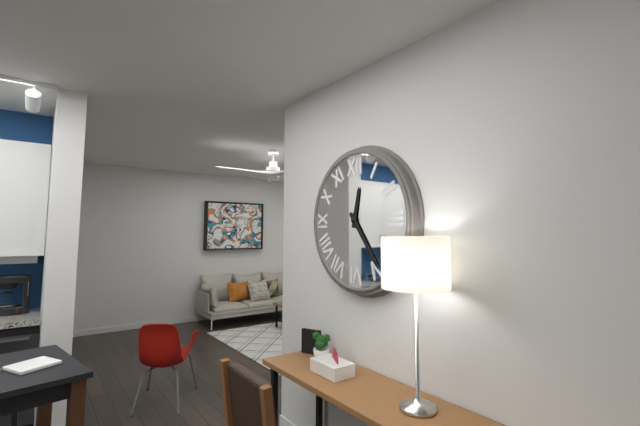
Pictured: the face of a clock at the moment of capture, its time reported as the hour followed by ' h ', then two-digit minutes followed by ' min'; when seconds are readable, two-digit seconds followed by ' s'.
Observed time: 12 h 24 min
